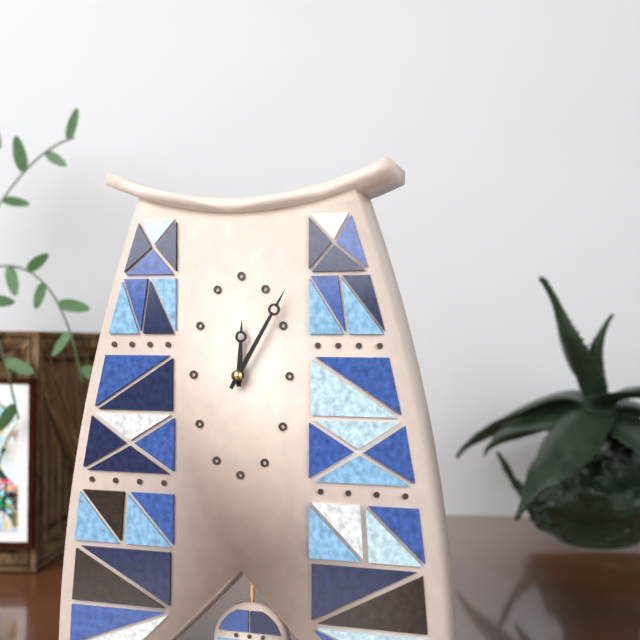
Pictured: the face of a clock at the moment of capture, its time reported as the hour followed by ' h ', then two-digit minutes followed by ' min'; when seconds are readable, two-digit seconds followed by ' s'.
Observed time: 12 h 05 min
